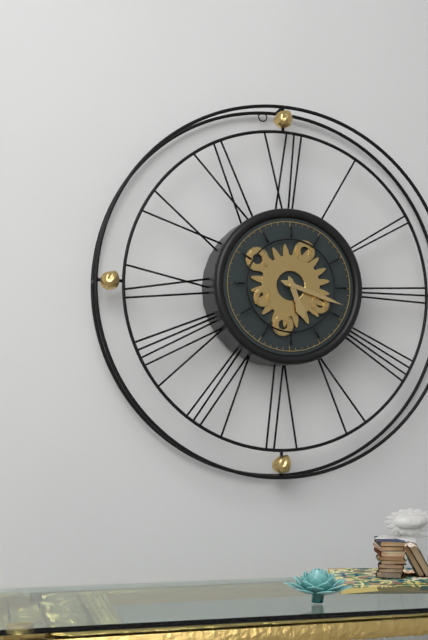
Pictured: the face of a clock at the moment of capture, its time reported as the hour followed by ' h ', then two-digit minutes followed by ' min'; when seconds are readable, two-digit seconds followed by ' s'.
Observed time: 5 h 18 min
